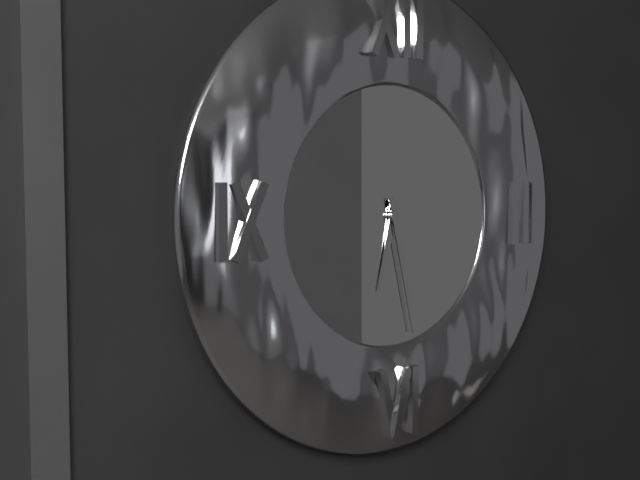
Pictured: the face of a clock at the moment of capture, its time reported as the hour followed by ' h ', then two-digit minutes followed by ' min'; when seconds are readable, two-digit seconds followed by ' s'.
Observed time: 6 h 28 min
